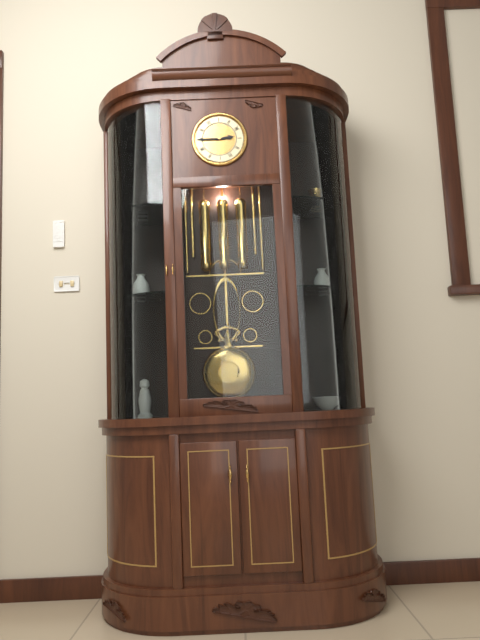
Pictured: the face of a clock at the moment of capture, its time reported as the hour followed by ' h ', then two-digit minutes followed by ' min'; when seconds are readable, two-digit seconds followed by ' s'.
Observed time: 2 h 45 min
